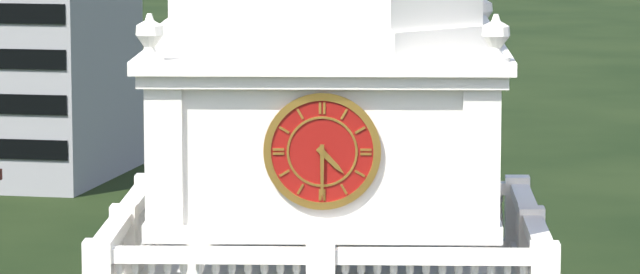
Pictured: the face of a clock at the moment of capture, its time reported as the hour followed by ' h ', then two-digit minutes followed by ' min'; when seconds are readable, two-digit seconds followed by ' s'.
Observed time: 4 h 30 min
